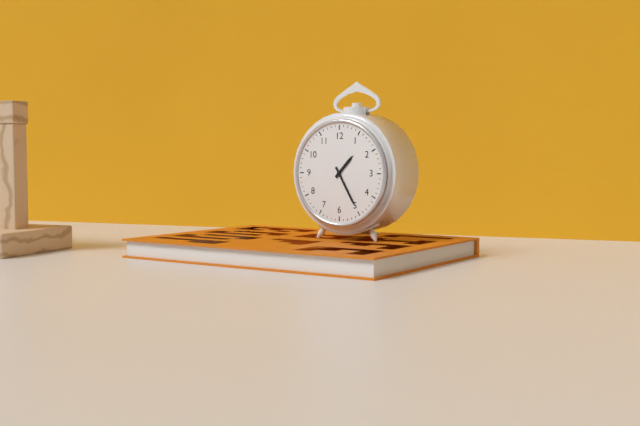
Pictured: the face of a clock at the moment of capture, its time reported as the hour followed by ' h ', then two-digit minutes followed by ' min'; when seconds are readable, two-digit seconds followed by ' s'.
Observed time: 1 h 25 min
